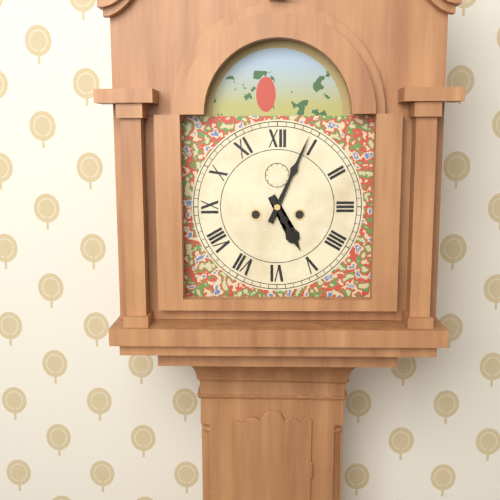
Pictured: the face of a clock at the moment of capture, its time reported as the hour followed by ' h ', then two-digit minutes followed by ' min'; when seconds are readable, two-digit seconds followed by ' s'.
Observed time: 5 h 04 min
